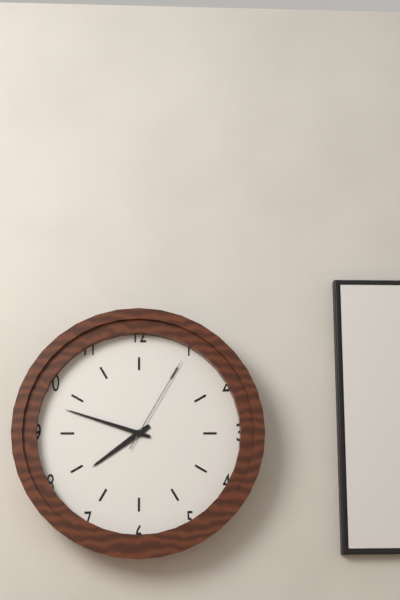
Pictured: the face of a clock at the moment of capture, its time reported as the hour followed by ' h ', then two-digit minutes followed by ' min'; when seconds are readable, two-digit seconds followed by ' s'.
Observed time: 7 h 48 min 05 s
